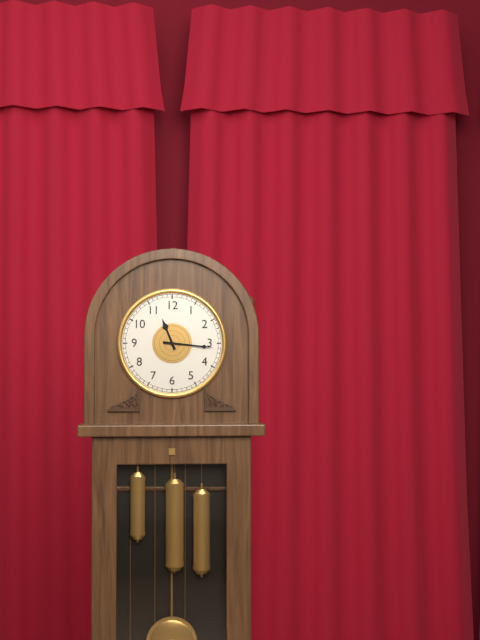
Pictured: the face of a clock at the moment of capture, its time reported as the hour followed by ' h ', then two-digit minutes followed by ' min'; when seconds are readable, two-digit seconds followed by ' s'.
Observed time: 11 h 16 min
